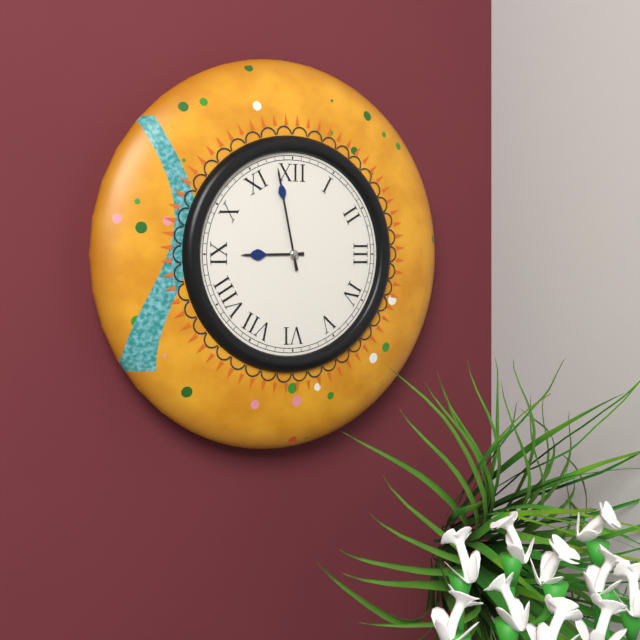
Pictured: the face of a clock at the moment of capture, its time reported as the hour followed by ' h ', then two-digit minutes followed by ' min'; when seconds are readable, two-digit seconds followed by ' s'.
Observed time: 8 h 58 min
